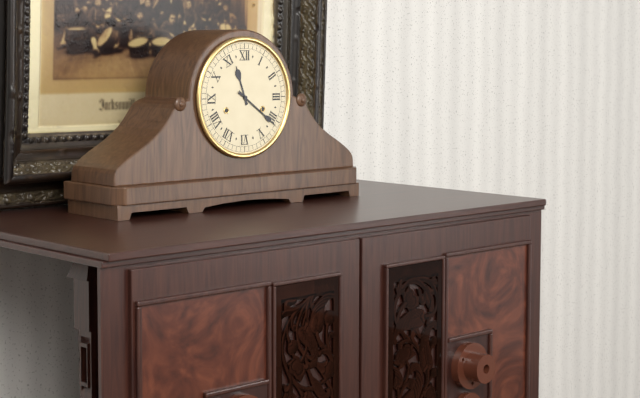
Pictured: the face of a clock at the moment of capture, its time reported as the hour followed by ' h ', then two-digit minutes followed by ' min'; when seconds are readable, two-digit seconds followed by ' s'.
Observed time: 11 h 21 min
